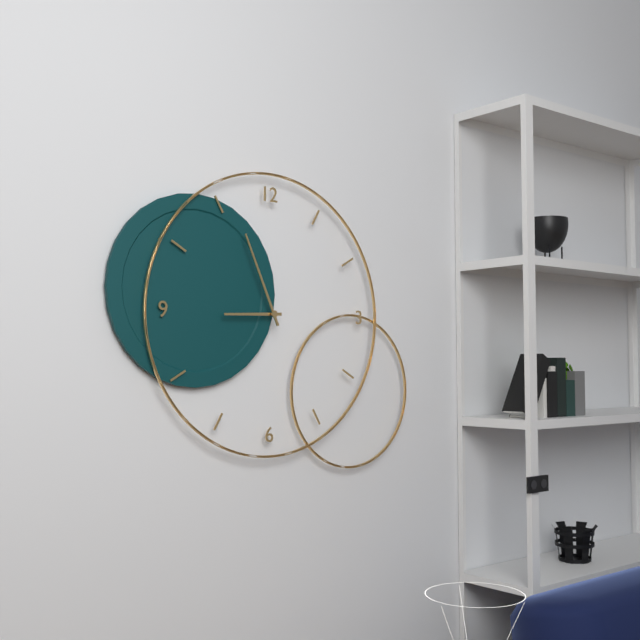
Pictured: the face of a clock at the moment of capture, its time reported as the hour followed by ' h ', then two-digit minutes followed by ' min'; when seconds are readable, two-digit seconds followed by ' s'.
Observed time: 8 h 56 min
